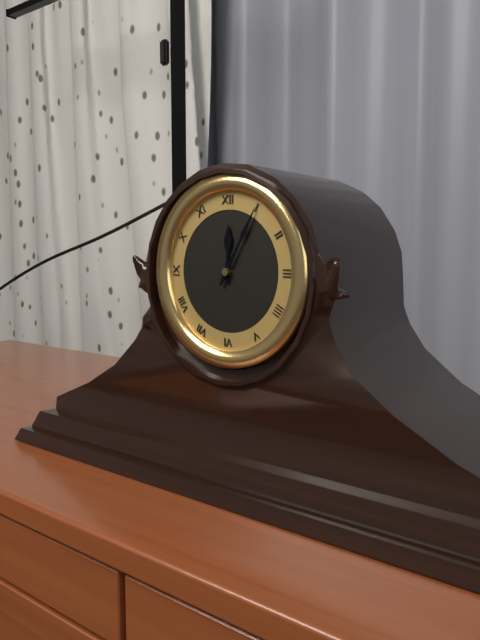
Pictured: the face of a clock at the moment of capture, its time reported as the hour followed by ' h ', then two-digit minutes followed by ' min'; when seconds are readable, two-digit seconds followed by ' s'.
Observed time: 12 h 05 min
